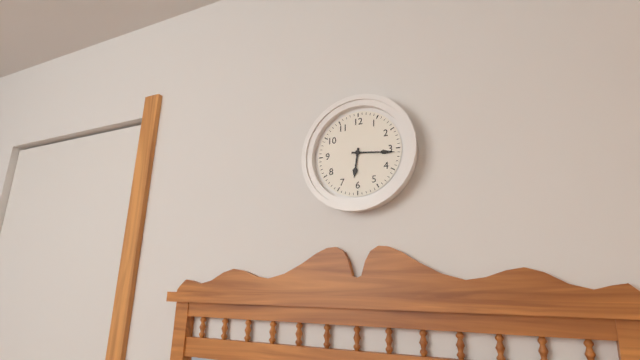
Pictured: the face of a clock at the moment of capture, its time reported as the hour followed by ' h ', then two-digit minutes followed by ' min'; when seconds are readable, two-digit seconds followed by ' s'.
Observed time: 6 h 16 min
